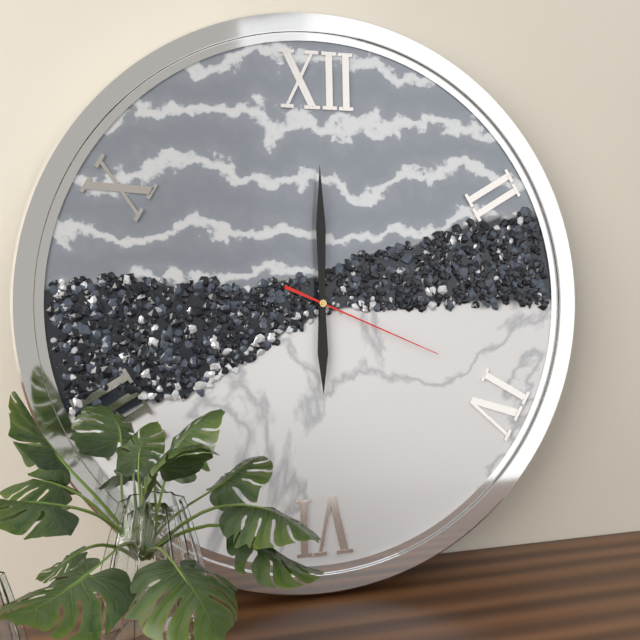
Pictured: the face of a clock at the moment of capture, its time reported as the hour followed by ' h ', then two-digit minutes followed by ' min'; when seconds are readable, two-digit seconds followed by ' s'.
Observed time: 6 h 00 min 19 s
